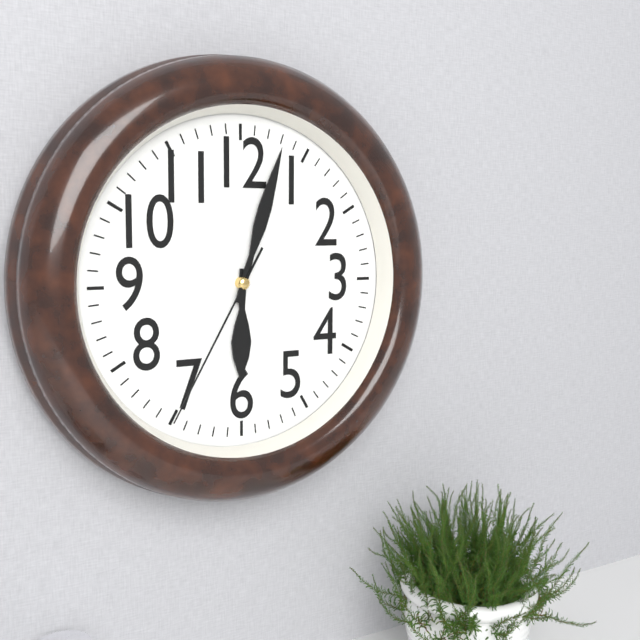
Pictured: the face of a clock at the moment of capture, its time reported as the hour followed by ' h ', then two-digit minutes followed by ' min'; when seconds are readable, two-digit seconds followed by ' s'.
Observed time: 6 h 03 min 35 s
